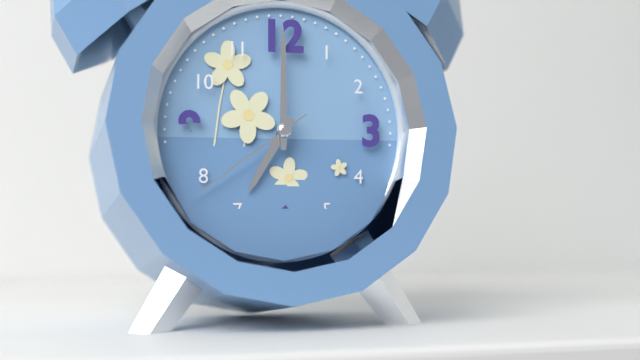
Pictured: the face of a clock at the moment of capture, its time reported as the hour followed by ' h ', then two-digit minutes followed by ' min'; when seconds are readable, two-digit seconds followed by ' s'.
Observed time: 7 h 00 min 39 s
